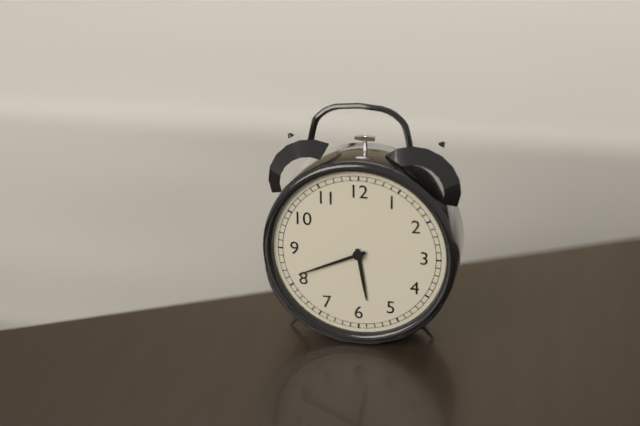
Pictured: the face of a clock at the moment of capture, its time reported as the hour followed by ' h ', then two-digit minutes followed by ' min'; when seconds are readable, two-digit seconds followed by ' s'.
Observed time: 5 h 41 min
